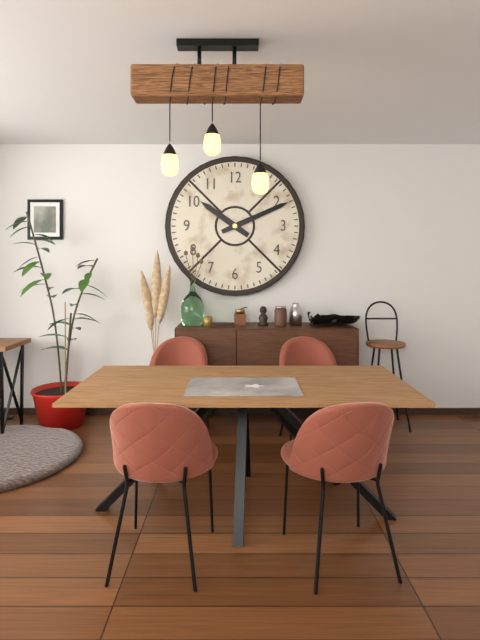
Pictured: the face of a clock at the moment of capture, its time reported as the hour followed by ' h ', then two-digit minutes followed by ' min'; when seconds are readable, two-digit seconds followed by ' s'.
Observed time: 10 h 11 min
